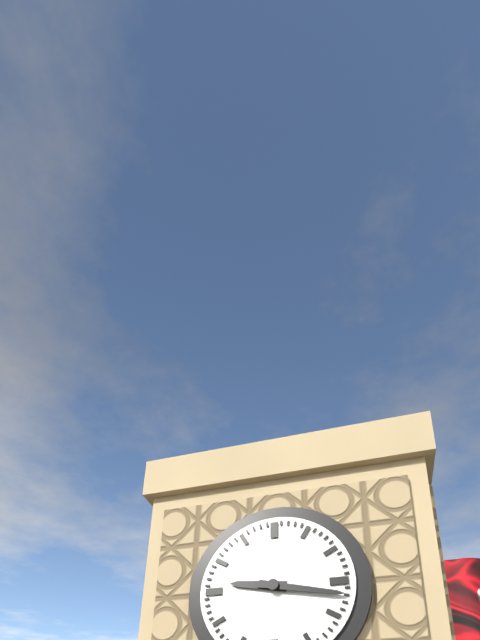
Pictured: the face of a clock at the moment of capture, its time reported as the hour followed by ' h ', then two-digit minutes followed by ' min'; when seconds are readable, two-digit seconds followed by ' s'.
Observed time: 9 h 17 min
